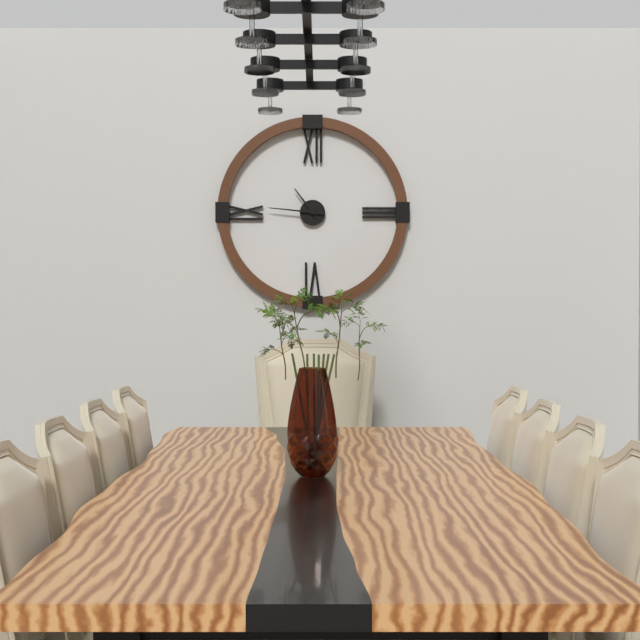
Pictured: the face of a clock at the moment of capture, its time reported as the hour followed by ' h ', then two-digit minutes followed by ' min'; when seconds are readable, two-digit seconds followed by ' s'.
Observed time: 10 h 46 min
